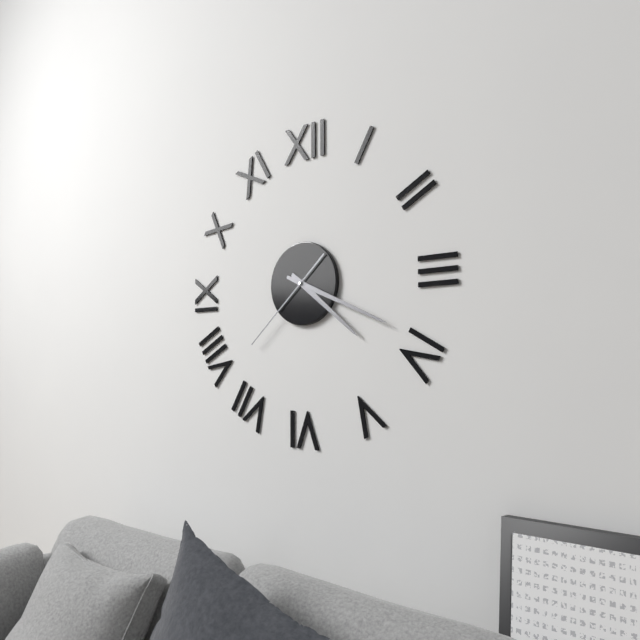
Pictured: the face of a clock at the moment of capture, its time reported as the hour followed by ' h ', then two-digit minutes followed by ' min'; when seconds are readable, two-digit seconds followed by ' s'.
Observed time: 4 h 19 min 38 s
